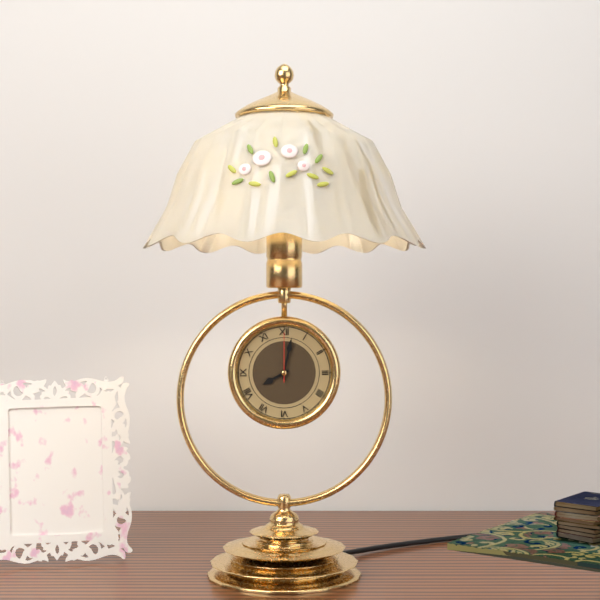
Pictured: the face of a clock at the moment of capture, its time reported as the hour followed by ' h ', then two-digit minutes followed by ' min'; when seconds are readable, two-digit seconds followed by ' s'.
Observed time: 8 h 02 min 00 s
